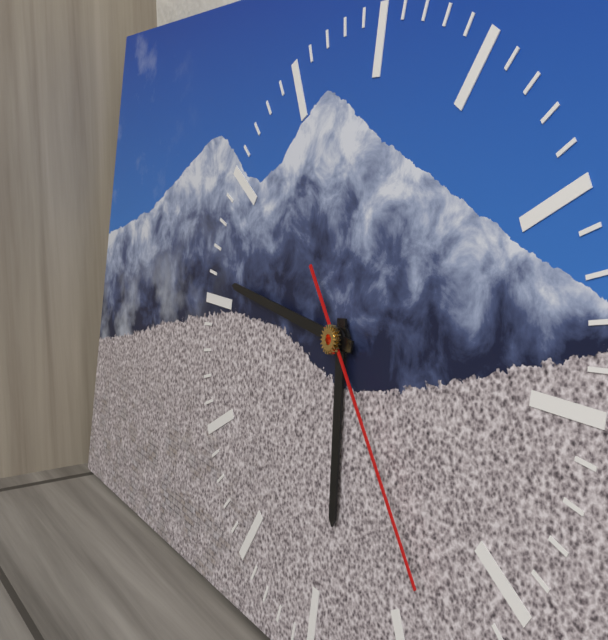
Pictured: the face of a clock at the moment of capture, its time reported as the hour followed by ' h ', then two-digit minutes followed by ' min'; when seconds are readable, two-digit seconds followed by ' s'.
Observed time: 5 h 46 min 23 s
